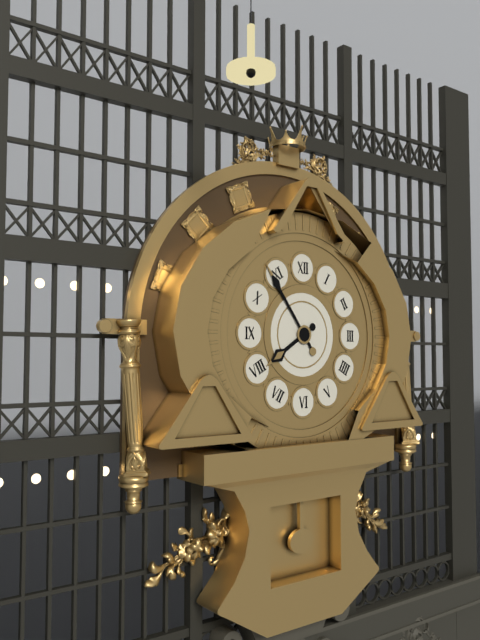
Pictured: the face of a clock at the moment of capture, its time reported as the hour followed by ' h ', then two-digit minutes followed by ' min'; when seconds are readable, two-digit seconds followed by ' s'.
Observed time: 7 h 54 min
